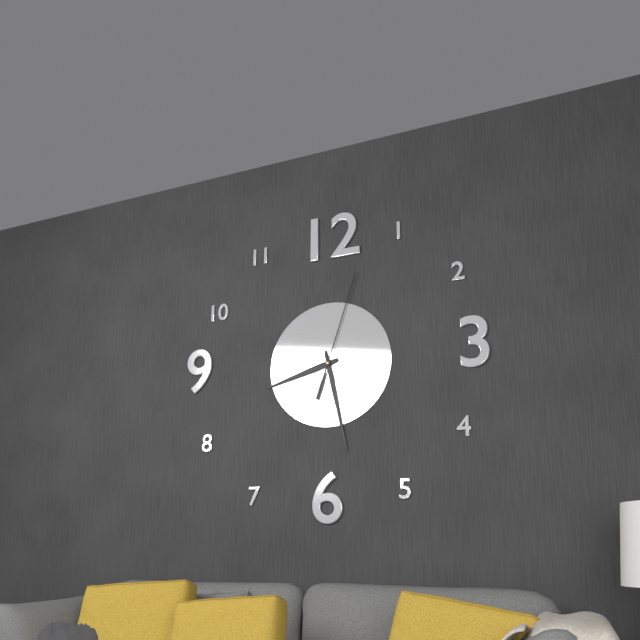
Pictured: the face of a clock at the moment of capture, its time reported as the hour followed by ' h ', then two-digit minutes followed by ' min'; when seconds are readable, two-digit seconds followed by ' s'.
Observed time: 8 h 28 min 03 s
